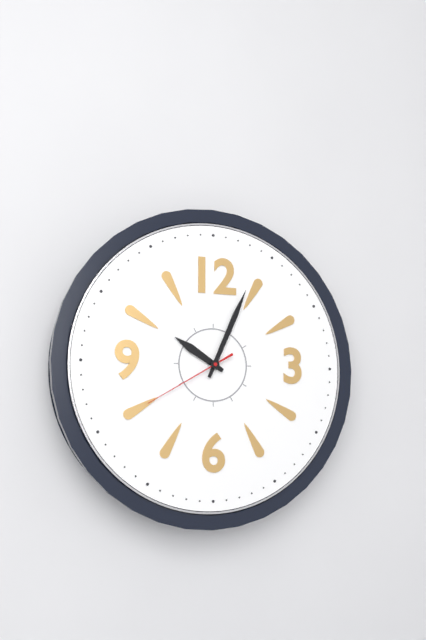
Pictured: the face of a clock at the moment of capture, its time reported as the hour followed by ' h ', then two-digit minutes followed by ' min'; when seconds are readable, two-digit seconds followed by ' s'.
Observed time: 10 h 04 min 40 s
